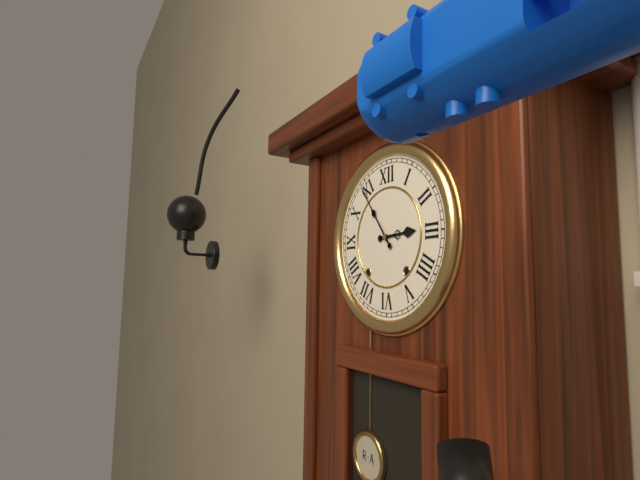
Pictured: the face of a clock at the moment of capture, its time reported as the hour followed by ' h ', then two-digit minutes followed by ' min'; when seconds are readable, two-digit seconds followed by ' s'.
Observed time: 2 h 54 min
